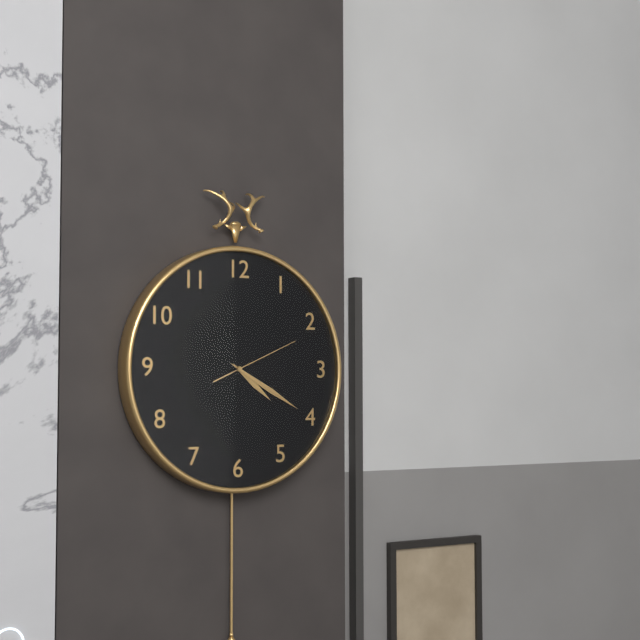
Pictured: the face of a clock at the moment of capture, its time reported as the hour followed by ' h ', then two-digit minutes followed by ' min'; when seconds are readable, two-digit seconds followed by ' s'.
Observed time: 4 h 20 min 11 s
